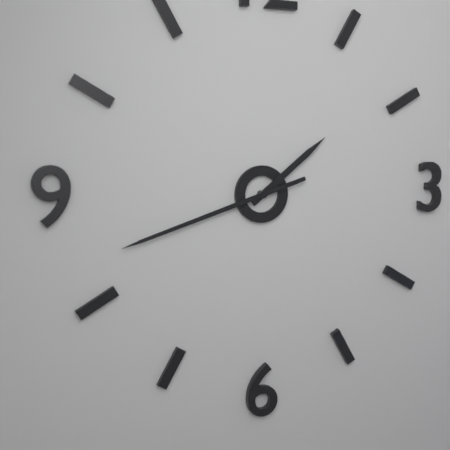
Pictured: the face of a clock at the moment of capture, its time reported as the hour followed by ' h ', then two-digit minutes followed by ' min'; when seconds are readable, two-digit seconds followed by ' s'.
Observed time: 1 h 42 min
